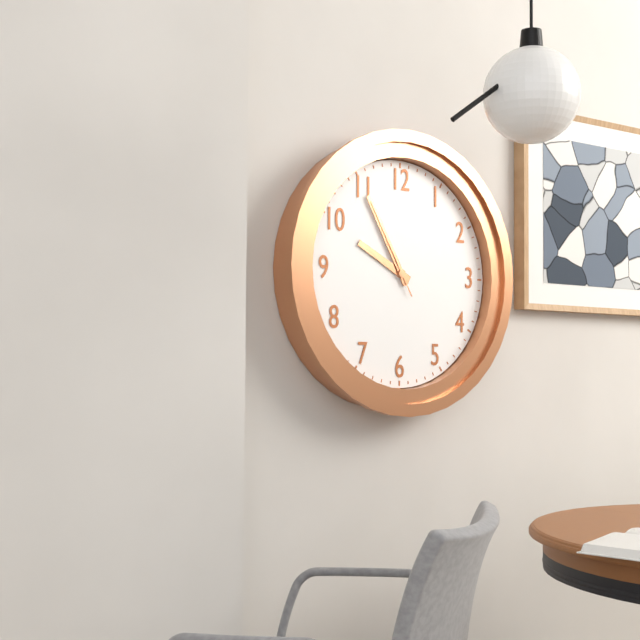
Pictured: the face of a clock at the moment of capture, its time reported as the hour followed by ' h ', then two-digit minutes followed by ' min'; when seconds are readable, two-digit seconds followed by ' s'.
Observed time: 9 h 55 min 55 s
